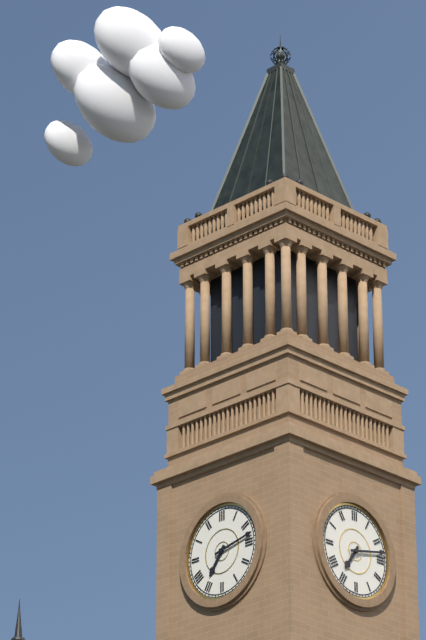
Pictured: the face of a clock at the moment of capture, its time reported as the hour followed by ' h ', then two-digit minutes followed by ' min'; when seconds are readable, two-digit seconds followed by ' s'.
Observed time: 7 h 13 min
